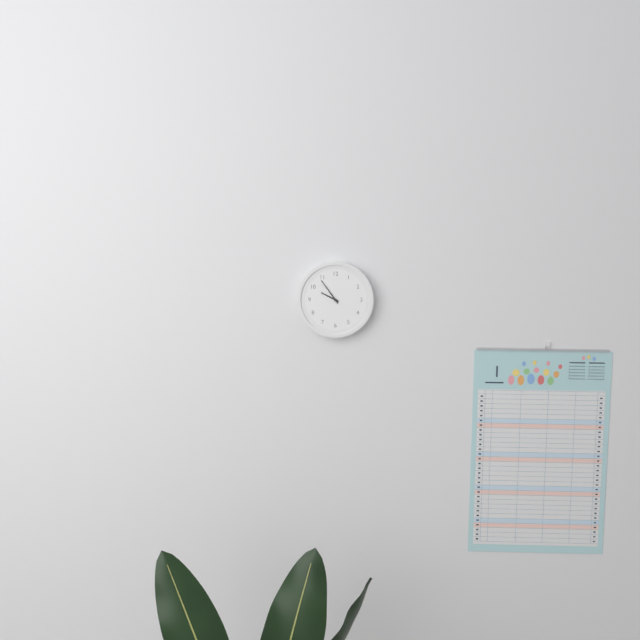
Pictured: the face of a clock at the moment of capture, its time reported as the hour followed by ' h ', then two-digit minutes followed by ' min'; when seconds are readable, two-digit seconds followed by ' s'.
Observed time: 9 h 54 min
